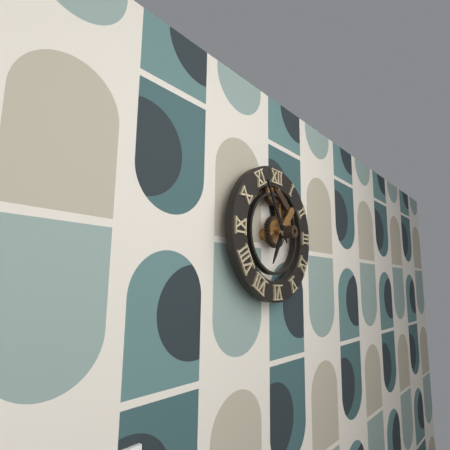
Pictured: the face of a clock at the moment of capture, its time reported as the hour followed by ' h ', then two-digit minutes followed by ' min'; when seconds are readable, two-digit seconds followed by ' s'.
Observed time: 6 h 55 min
